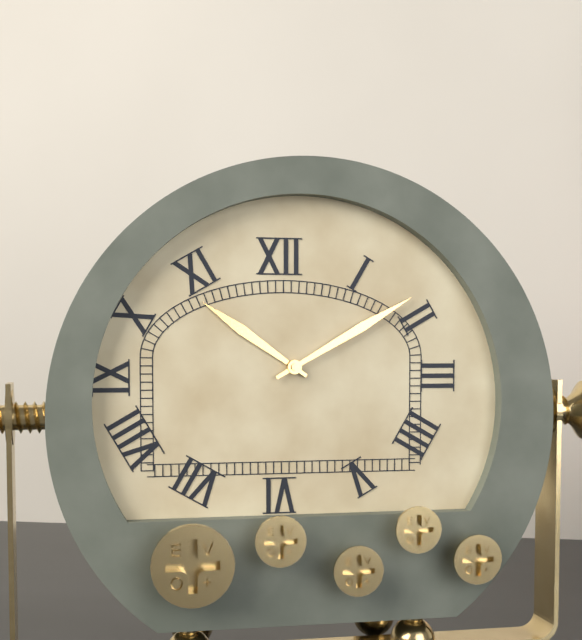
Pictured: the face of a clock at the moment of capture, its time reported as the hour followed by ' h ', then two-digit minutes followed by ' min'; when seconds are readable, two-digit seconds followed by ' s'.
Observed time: 10 h 10 min
